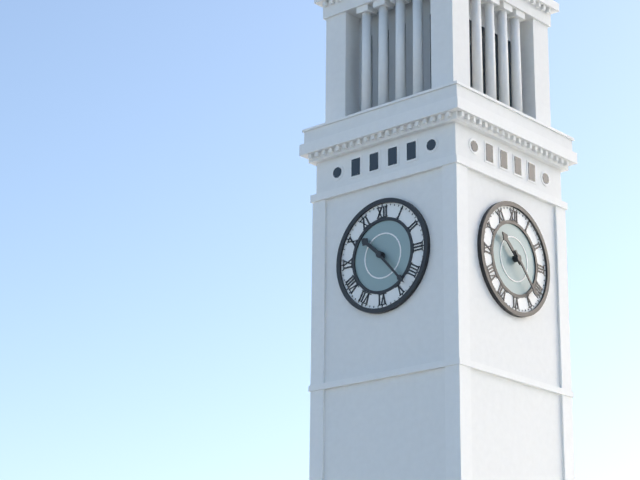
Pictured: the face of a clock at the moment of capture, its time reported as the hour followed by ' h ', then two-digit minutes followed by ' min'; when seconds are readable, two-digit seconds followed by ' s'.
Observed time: 10 h 23 min
